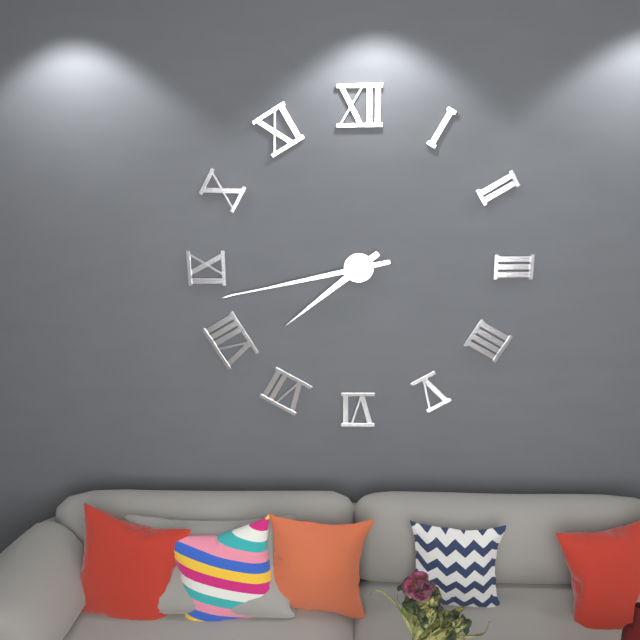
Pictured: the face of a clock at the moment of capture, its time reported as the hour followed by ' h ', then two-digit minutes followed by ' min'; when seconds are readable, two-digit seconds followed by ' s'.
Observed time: 7 h 43 min
